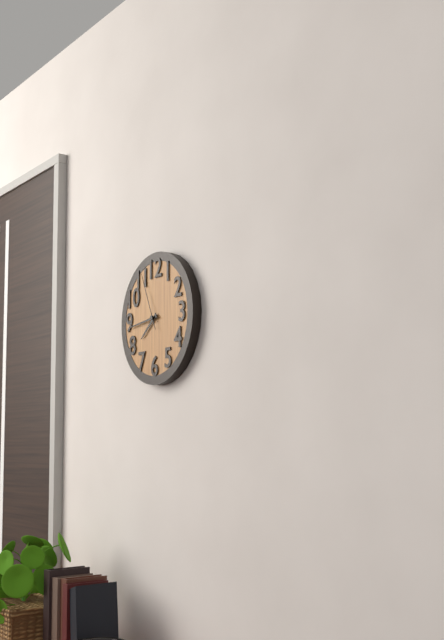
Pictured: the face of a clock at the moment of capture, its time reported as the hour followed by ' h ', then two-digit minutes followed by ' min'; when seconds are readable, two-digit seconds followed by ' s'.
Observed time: 7 h 44 min 56 s
